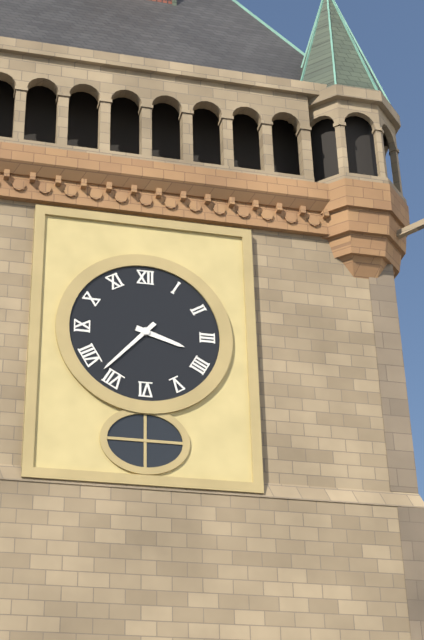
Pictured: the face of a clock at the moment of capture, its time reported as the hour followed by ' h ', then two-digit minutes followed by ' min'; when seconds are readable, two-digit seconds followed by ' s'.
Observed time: 3 h 37 min
